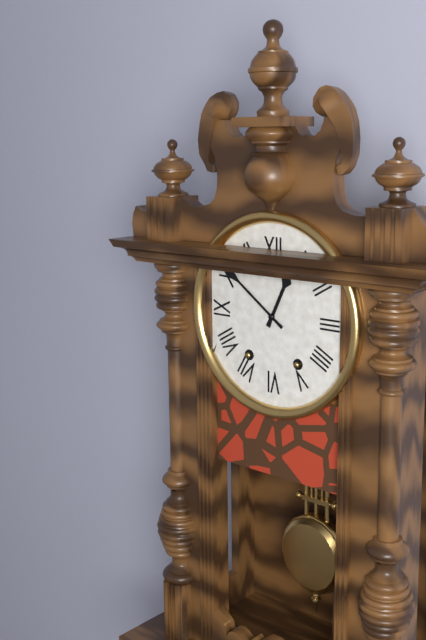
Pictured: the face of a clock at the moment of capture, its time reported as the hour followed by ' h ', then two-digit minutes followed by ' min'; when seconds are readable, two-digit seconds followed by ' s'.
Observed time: 12 h 51 min
